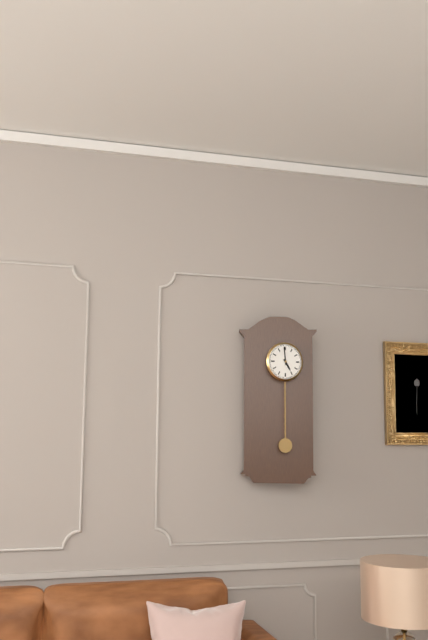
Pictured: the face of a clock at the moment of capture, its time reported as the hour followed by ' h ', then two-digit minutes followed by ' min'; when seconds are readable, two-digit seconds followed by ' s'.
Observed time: 4 h 59 min
